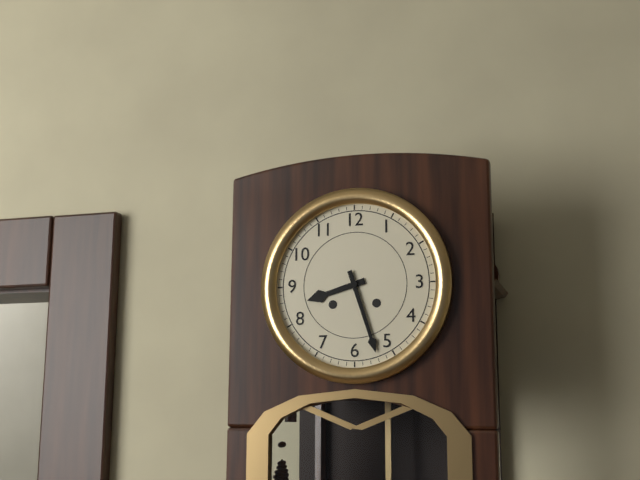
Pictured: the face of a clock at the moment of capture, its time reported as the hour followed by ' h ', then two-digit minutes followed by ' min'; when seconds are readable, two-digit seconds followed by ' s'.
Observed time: 8 h 27 min
